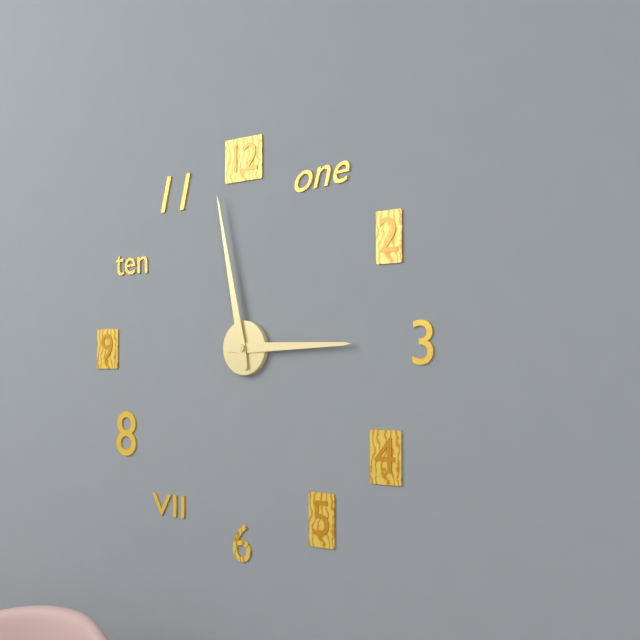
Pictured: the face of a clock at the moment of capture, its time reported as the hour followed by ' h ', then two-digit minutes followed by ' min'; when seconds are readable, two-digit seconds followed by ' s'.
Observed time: 2 h 58 min
